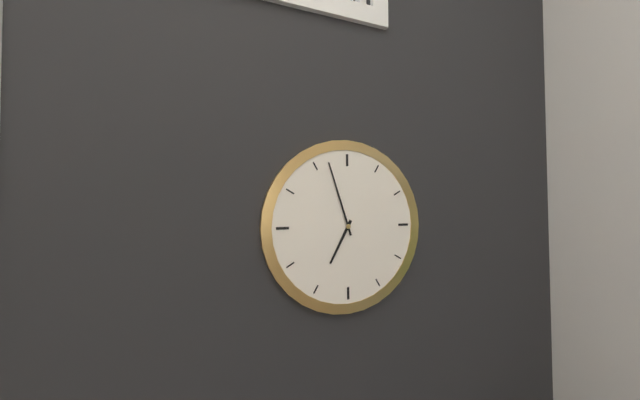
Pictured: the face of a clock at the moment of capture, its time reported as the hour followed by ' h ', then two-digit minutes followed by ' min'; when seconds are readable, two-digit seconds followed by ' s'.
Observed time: 6 h 57 min
